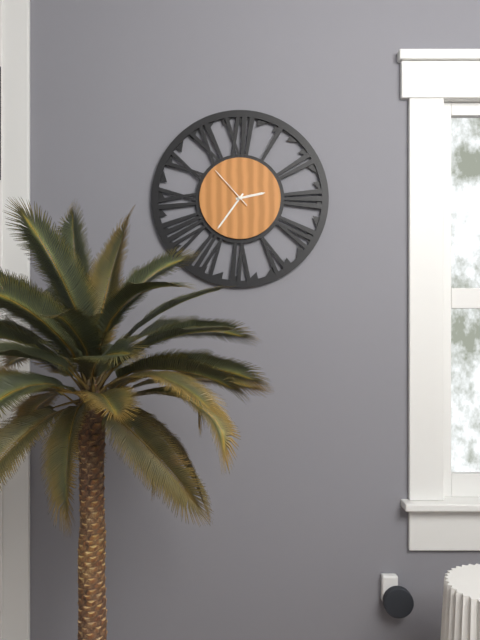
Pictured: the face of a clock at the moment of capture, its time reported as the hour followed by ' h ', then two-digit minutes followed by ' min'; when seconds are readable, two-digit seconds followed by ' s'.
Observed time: 2 h 36 min
